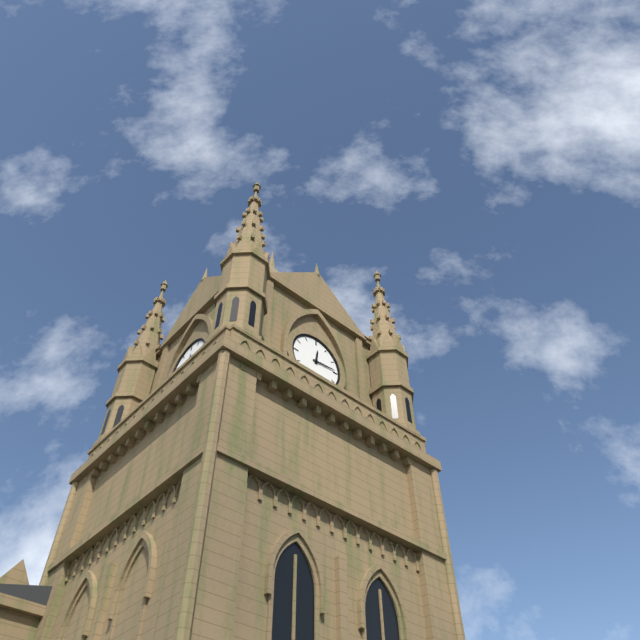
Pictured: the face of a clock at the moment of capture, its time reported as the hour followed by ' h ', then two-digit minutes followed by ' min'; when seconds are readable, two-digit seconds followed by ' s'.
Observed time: 12 h 14 min
